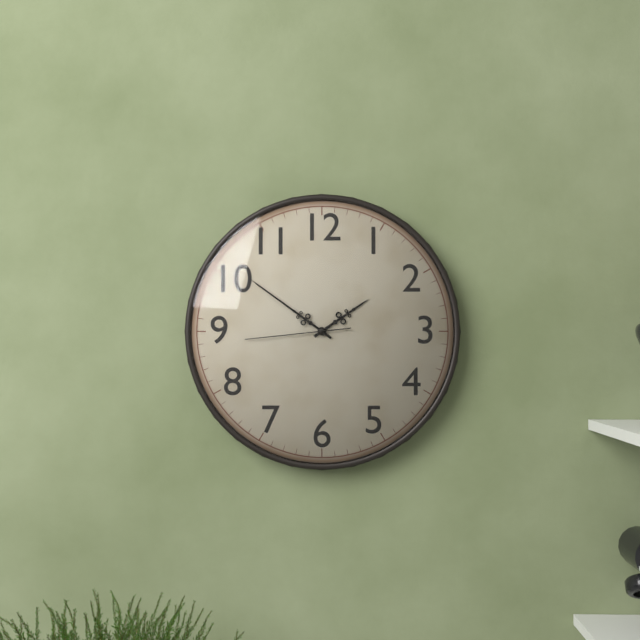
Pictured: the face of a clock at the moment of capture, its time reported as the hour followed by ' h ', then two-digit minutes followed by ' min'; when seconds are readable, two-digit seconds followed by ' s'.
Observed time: 1 h 51 min 44 s
